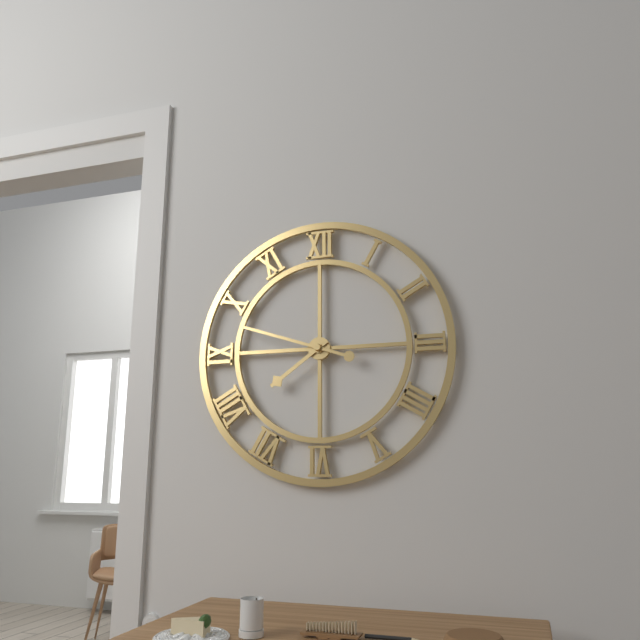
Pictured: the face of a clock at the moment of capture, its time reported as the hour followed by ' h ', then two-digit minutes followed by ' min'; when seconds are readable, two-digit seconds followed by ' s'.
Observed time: 7 h 48 min
